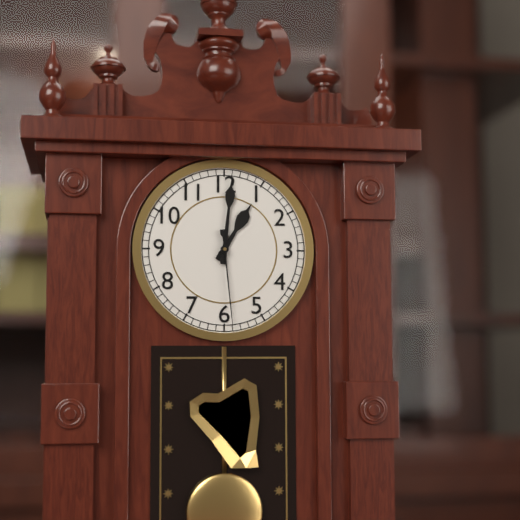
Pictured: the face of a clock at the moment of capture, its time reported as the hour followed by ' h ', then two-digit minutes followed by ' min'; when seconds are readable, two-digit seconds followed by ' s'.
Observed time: 1 h 01 min 29 s
